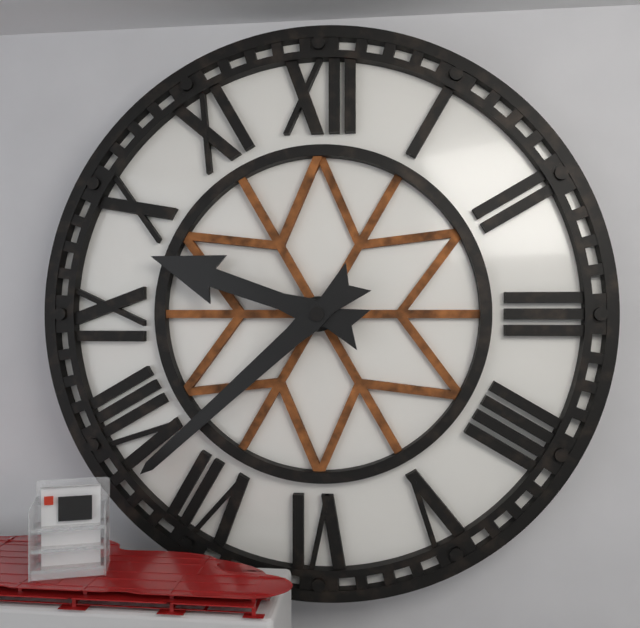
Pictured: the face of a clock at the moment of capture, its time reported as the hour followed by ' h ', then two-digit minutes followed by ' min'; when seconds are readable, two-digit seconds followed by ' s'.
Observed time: 9 h 38 min
